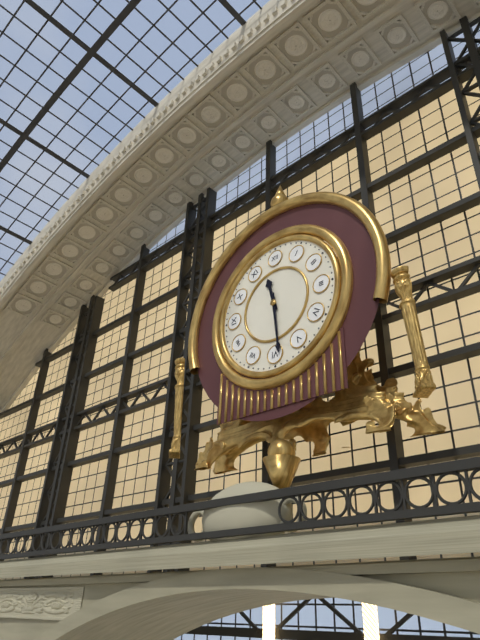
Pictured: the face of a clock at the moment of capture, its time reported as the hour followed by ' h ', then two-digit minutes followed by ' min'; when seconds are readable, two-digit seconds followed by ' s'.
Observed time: 11 h 29 min
